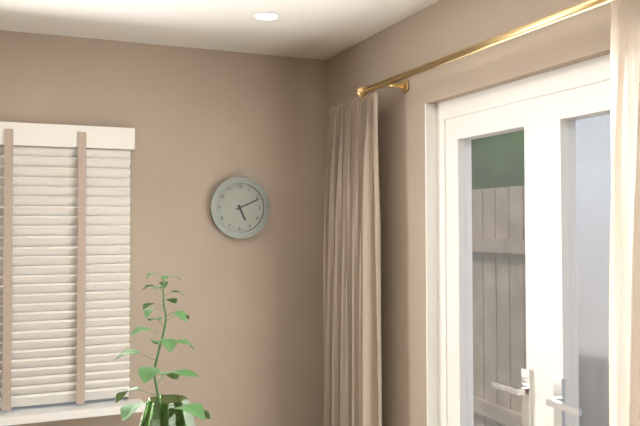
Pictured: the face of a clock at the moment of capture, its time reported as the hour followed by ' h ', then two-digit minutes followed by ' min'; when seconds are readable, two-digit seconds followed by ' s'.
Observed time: 5 h 11 min
